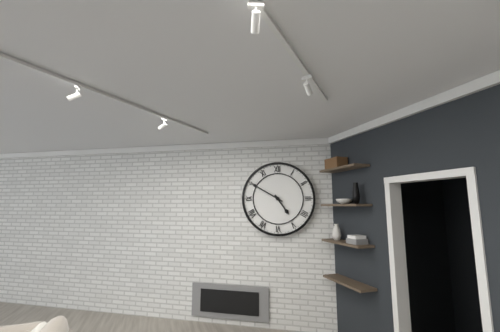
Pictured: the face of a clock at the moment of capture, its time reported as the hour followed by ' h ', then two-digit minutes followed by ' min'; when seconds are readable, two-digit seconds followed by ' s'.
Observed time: 4 h 50 min
